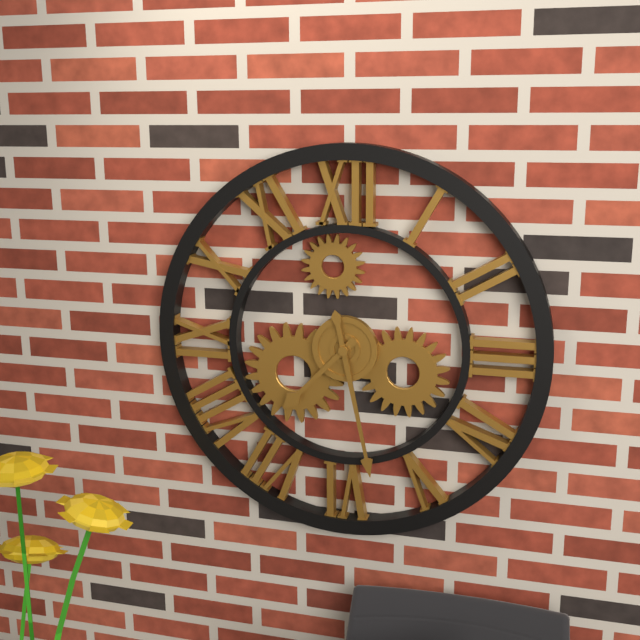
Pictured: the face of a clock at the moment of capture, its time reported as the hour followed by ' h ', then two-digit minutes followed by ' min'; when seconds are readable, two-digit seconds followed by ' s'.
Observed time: 7 h 28 min
